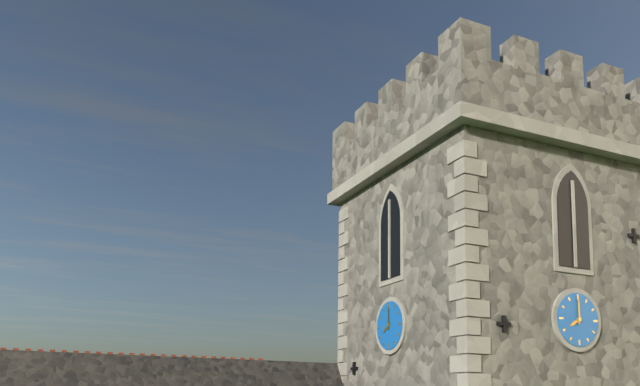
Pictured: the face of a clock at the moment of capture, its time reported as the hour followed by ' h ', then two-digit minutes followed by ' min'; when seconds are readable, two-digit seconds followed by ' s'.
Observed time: 8 h 00 min
